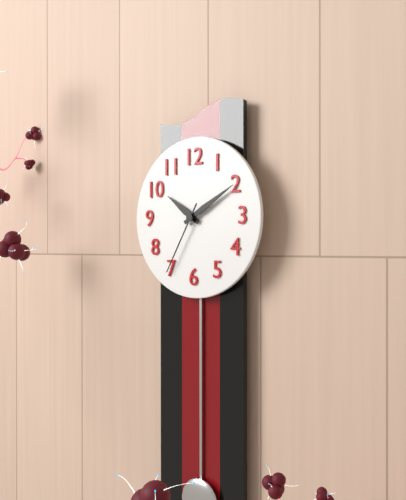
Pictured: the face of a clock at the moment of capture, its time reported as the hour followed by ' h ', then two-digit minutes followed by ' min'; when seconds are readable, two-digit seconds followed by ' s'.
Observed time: 10 h 10 min 35 s
